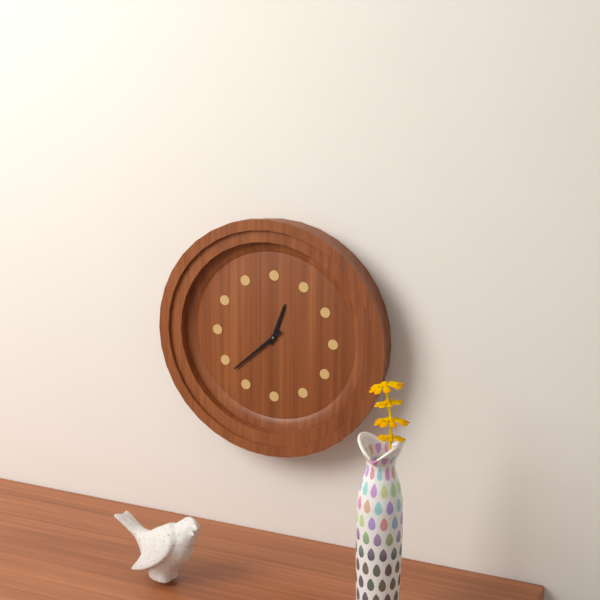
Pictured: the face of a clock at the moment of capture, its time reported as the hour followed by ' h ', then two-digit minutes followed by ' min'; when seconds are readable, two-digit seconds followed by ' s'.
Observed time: 12 h 38 min
